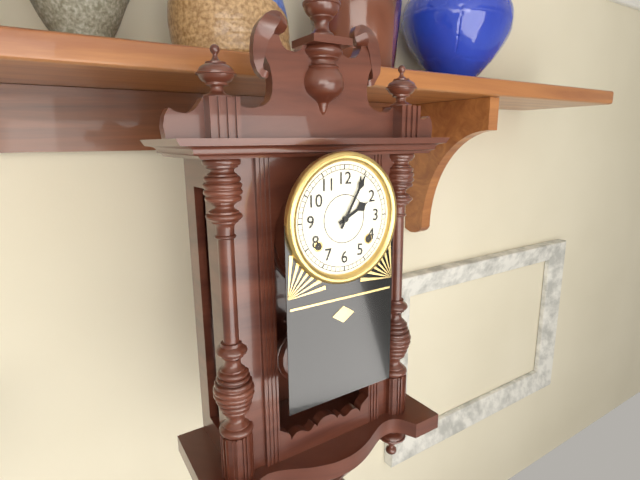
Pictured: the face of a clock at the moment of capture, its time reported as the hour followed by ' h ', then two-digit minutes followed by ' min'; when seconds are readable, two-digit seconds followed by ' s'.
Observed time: 2 h 05 min
